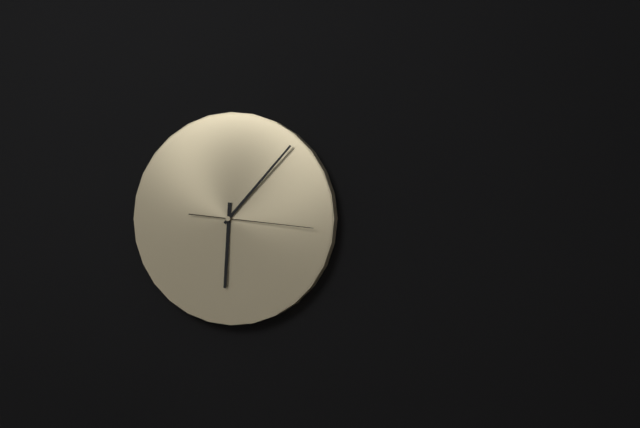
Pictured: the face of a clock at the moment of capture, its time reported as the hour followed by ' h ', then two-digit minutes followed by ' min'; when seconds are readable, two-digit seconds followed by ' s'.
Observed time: 6 h 07 min 16 s
